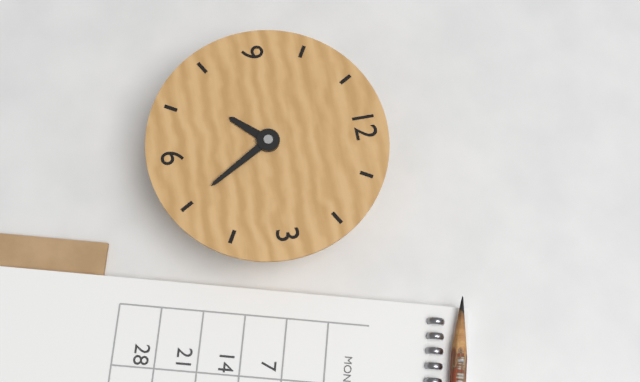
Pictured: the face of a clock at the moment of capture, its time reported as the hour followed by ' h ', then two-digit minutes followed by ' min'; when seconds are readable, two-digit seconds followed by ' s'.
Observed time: 7 h 25 min
